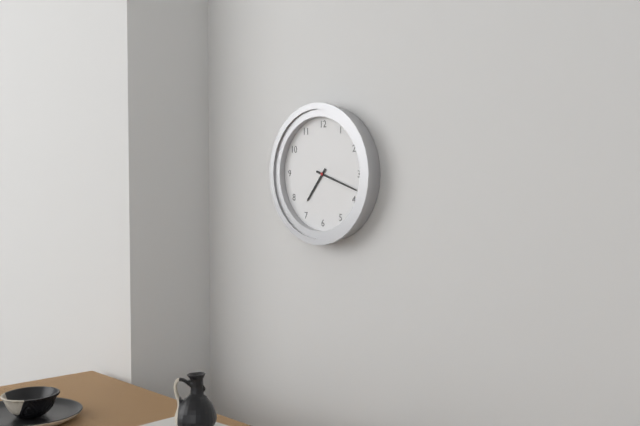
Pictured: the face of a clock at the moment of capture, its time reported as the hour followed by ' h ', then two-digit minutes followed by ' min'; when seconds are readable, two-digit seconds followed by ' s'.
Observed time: 7 h 18 min
